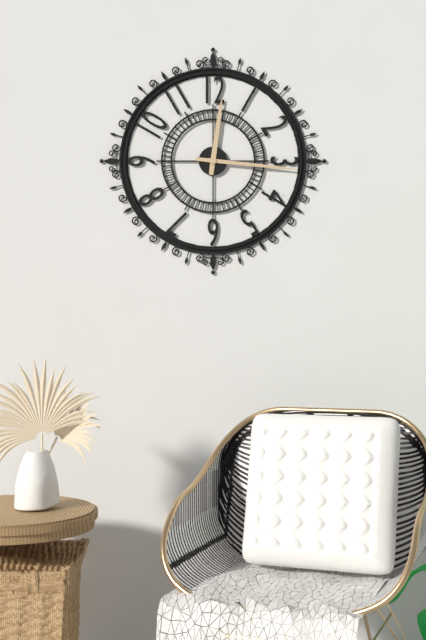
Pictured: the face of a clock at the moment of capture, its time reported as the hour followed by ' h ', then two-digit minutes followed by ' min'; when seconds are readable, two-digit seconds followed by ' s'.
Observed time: 12 h 16 min
